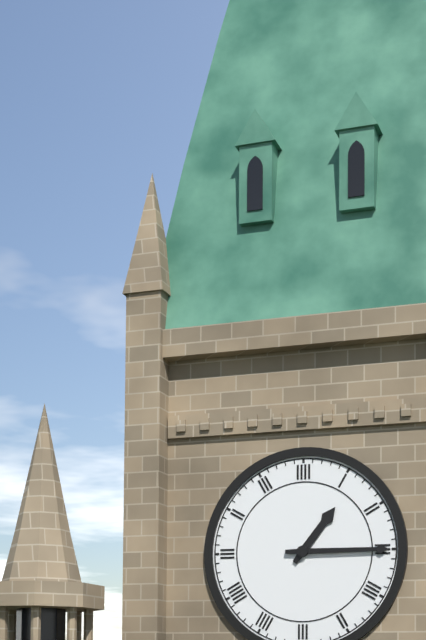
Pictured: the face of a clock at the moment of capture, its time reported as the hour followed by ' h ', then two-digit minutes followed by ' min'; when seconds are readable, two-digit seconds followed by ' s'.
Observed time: 1 h 15 min
